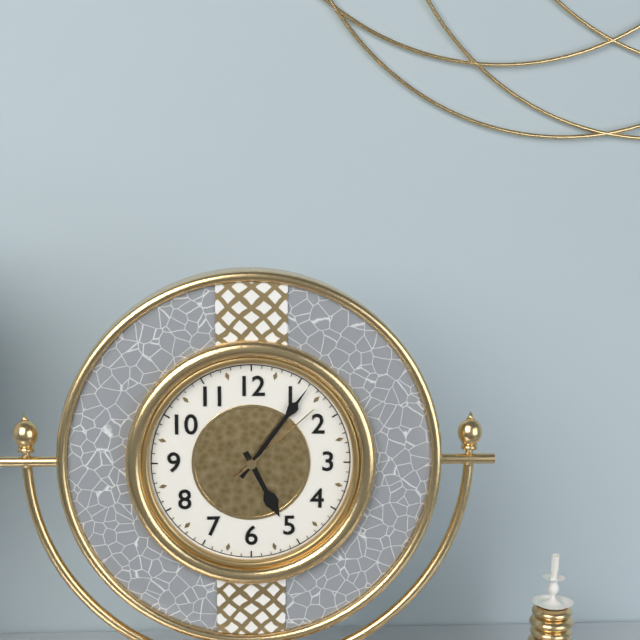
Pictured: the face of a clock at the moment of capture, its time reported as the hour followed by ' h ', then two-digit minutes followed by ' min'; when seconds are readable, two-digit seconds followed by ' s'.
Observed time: 5 h 06 min 08 s
